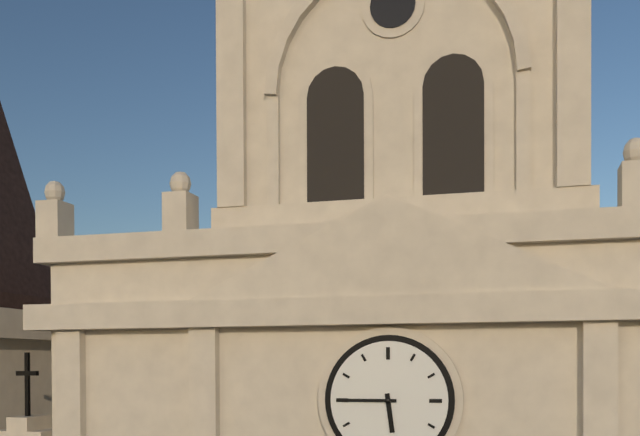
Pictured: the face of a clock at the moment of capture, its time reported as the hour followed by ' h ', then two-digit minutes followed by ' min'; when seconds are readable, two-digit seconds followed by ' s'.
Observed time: 5 h 45 min
